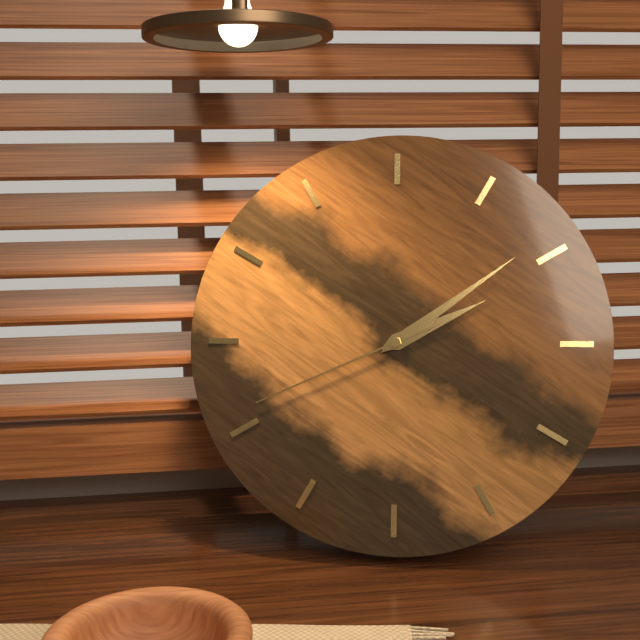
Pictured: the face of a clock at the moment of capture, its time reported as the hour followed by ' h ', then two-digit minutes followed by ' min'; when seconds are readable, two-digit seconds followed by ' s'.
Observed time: 2 h 09 min 41 s
